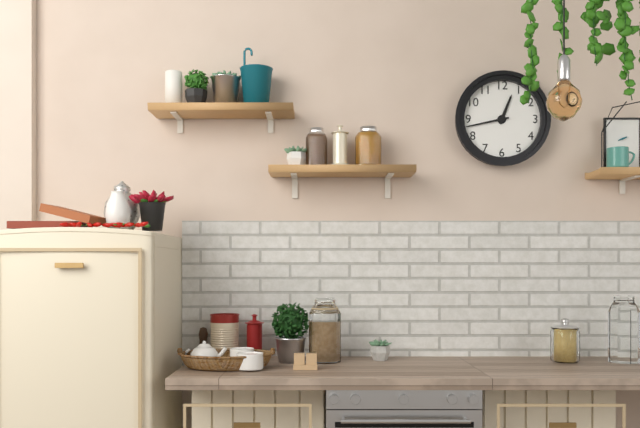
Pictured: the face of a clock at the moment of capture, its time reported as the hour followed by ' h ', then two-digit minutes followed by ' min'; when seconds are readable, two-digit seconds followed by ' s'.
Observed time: 12 h 43 min
